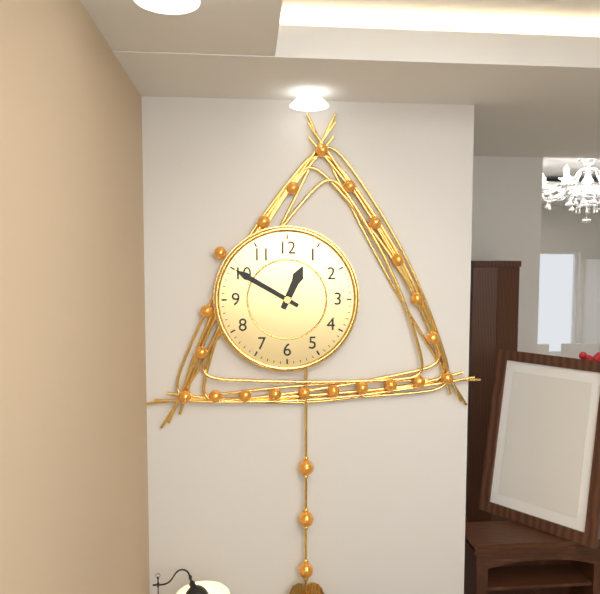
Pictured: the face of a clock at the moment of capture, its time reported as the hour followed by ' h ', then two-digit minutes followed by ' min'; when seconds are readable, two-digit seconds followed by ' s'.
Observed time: 12 h 50 min
